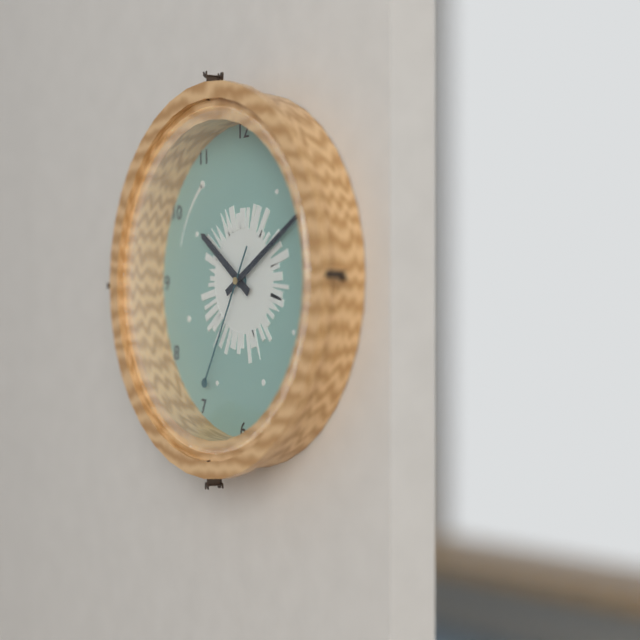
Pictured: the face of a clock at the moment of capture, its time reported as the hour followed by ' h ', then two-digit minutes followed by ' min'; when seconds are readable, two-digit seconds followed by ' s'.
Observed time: 10 h 10 min 35 s
